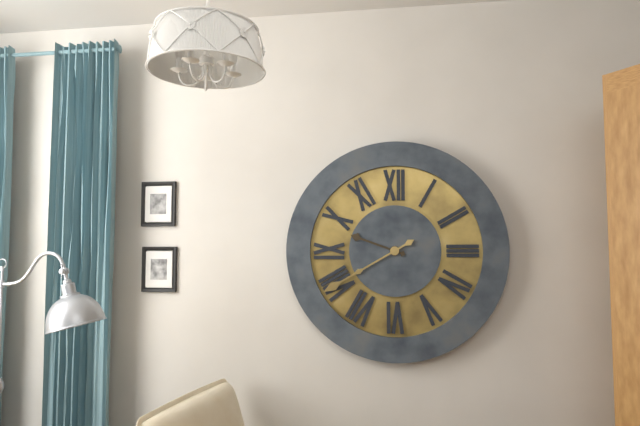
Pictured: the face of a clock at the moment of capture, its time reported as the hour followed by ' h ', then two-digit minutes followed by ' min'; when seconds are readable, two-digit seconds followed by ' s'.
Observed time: 9 h 40 min
